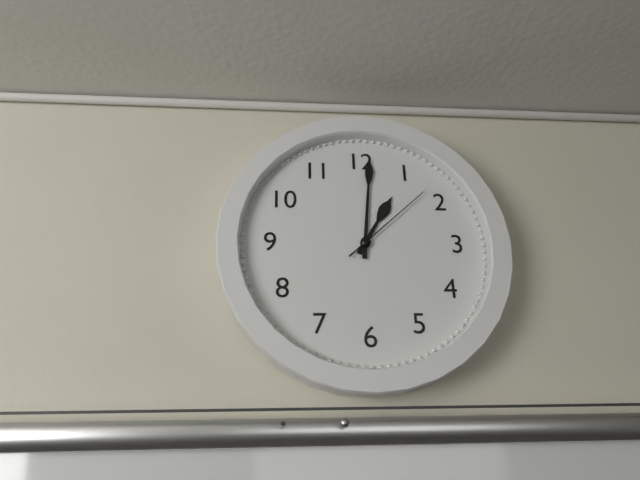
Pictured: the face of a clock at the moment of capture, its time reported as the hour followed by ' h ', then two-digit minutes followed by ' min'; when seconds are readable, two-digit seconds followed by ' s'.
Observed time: 1 h 01 min 08 s
